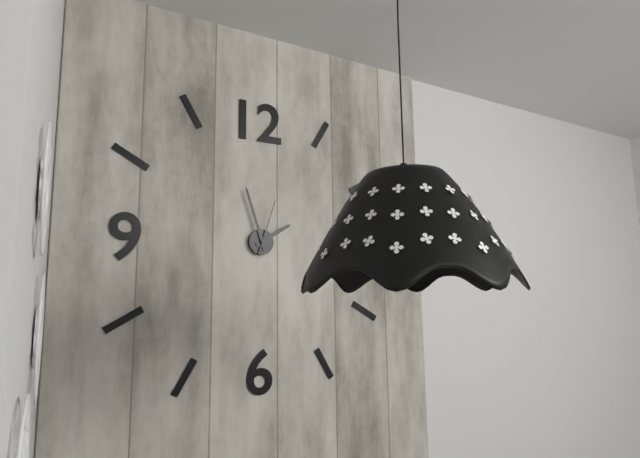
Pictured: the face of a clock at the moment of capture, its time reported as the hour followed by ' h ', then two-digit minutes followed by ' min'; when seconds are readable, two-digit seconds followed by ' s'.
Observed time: 1 h 57 min 03 s
